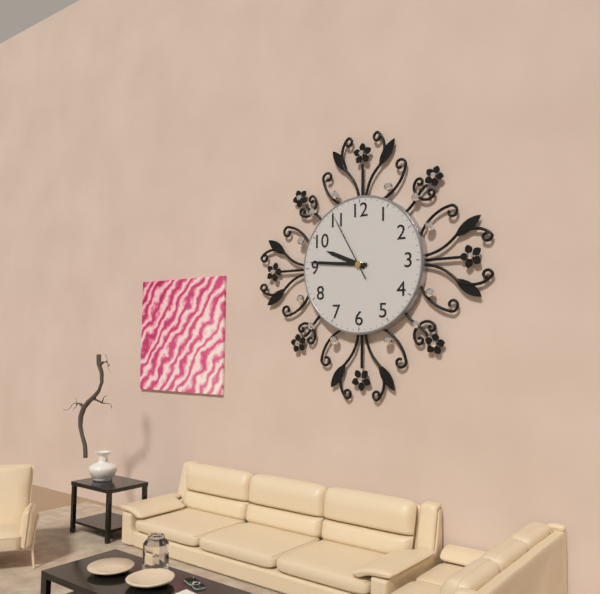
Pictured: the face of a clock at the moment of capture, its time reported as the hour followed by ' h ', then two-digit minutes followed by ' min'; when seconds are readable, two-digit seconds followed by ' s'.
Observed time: 9 h 46 min 55 s
